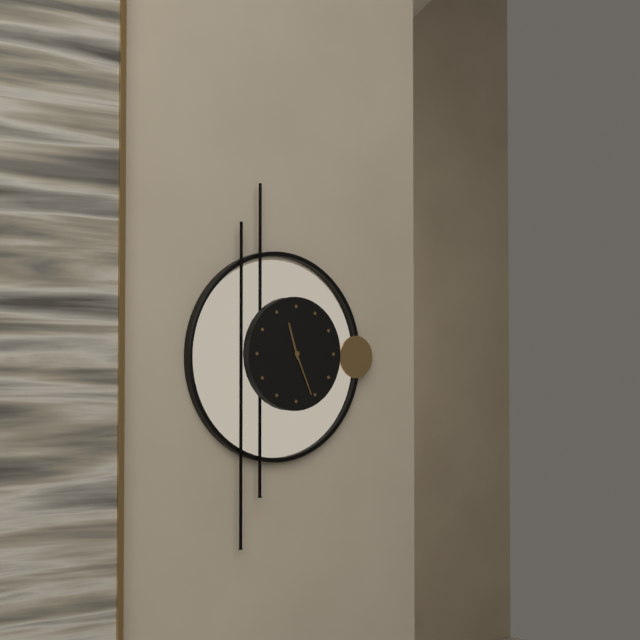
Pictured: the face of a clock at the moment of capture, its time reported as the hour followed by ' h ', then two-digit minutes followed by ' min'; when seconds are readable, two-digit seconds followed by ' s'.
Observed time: 11 h 26 min
